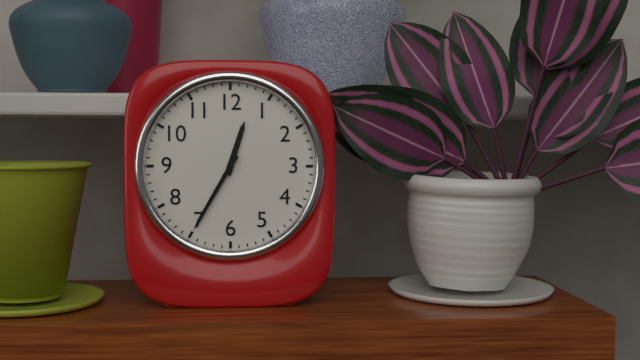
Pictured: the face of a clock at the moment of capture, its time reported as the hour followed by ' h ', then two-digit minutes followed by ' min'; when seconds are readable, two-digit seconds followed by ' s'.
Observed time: 12 h 35 min
